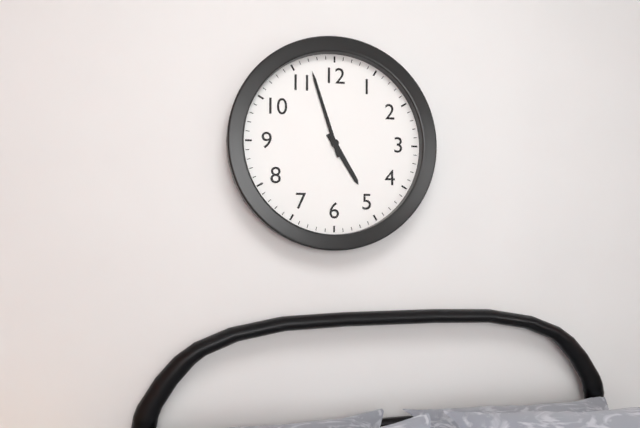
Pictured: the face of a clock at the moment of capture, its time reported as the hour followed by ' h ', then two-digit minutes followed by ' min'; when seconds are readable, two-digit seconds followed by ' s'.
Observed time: 4 h 57 min
